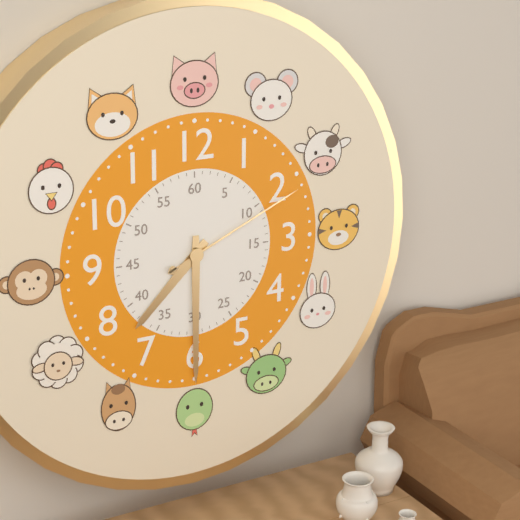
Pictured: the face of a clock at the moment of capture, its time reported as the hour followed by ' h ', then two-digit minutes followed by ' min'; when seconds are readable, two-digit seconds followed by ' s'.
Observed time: 7 h 30 min 11 s
